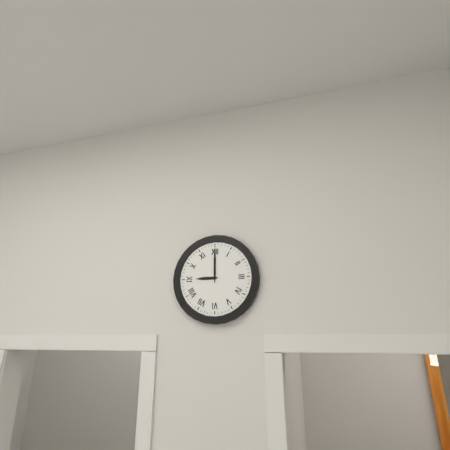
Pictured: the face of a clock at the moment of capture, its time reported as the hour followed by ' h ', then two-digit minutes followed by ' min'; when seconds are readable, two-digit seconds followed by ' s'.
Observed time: 9 h 00 min
